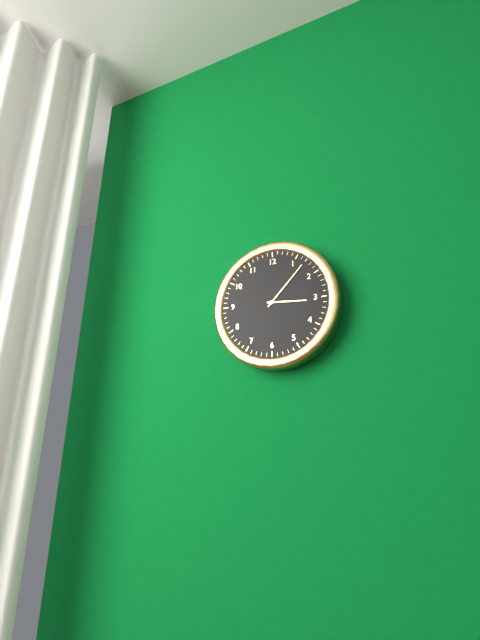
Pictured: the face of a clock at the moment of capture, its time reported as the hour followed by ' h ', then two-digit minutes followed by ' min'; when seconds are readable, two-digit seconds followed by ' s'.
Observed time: 3 h 07 min
